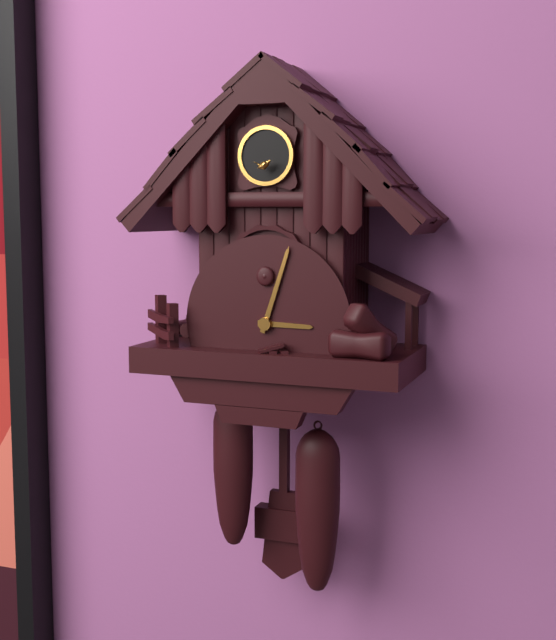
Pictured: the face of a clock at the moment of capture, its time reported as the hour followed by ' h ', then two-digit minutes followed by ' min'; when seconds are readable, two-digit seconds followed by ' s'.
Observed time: 3 h 03 min
